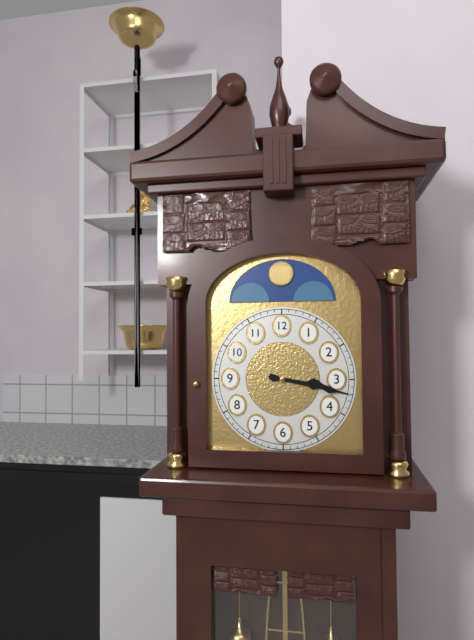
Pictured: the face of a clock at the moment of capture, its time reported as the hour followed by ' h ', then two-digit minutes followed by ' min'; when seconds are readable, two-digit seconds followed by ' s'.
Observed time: 3 h 17 min
